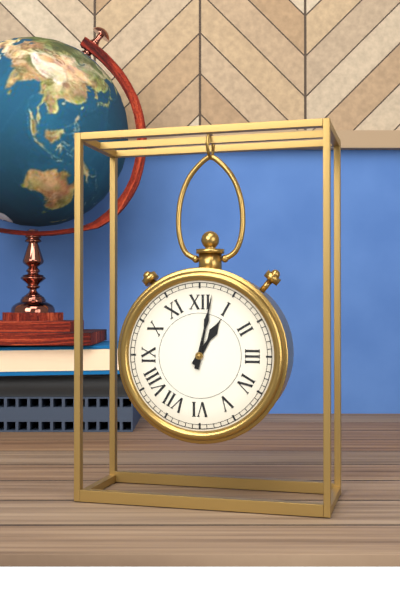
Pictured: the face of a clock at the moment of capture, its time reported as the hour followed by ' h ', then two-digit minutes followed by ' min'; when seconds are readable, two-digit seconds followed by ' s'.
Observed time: 1 h 02 min
